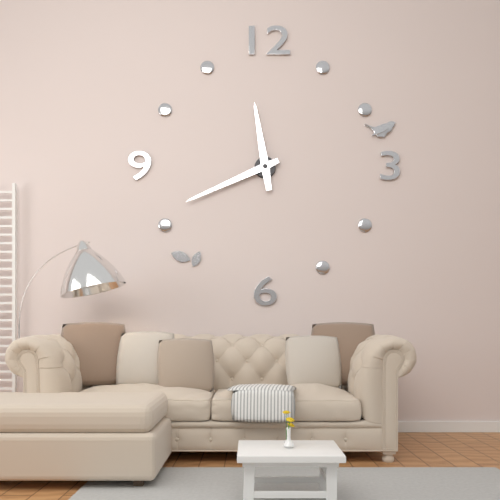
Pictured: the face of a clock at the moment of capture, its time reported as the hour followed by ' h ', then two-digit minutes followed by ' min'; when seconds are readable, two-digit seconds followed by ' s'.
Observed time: 11 h 41 min
